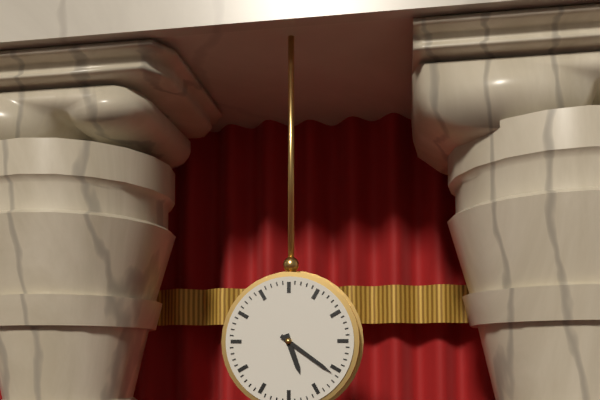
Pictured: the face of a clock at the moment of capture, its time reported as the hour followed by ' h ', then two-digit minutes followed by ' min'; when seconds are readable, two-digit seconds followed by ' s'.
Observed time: 5 h 21 min
